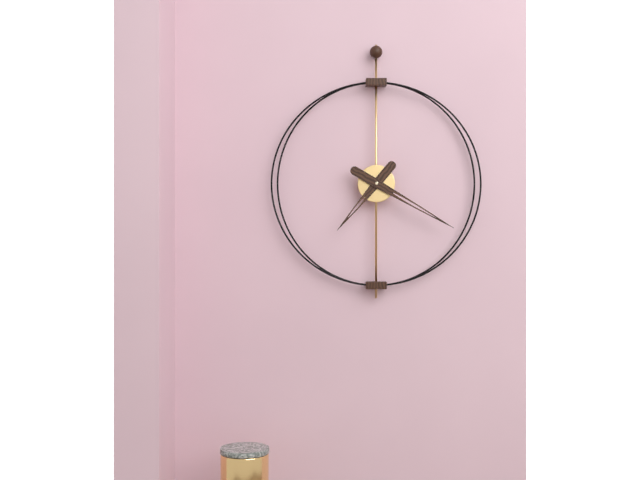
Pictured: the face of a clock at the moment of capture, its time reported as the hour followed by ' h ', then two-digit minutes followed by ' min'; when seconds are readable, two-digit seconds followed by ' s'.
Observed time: 7 h 20 min
